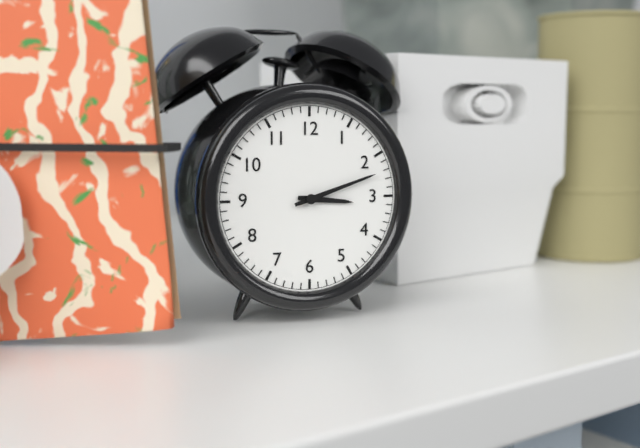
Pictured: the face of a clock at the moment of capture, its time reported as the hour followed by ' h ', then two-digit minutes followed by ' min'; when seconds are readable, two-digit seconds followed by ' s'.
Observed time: 3 h 12 min
